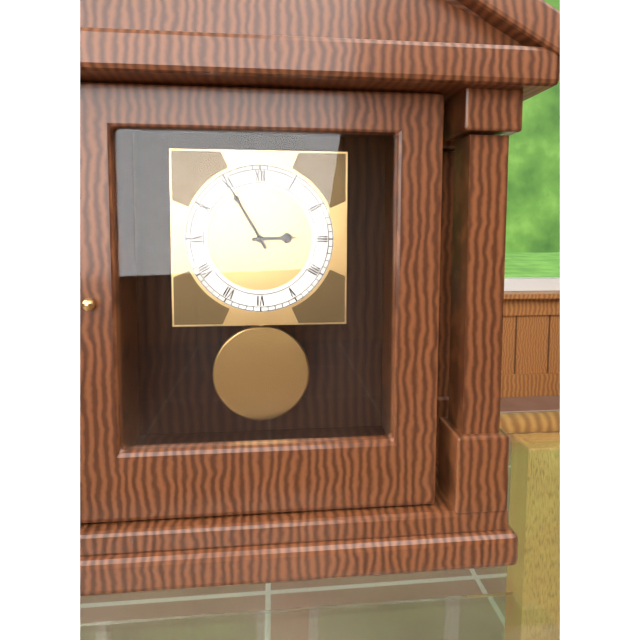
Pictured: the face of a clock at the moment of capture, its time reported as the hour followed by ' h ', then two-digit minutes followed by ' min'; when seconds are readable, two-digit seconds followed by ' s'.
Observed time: 2 h 55 min
